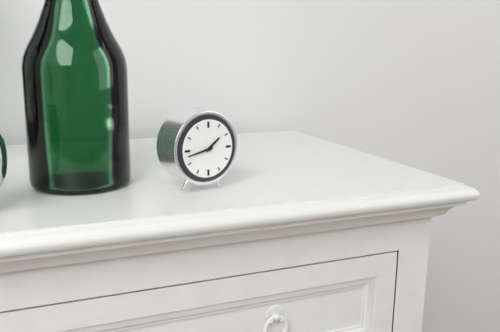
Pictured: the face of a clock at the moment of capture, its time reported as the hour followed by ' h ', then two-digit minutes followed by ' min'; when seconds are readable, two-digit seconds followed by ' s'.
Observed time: 1 h 43 min
